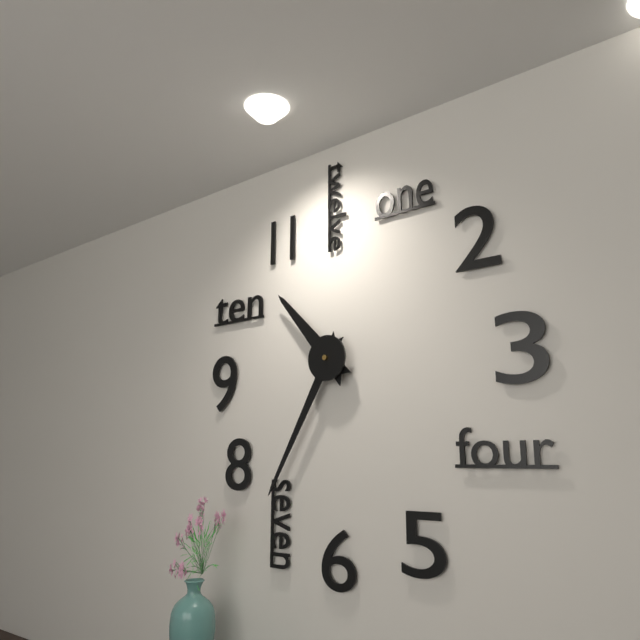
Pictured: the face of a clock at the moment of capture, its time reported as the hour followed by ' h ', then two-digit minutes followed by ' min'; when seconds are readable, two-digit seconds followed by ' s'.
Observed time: 10 h 35 min
